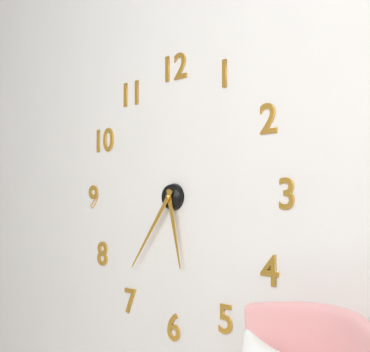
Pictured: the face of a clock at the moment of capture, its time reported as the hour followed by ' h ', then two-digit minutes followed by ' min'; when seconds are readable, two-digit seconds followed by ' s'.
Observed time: 5 h 36 min
